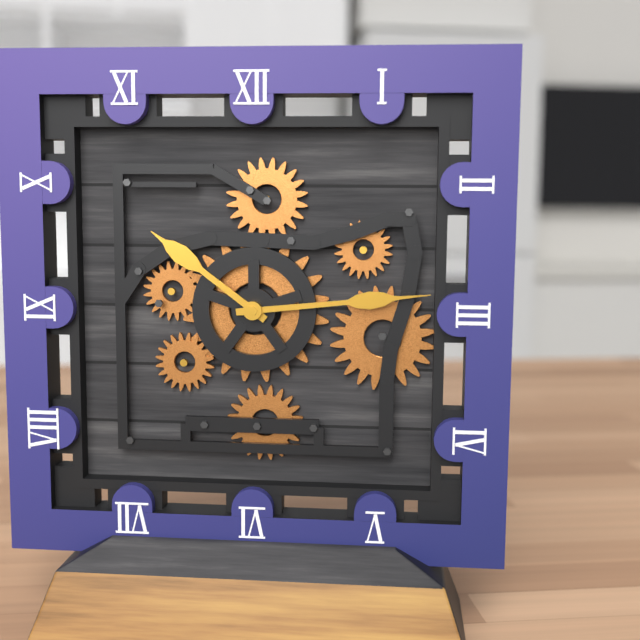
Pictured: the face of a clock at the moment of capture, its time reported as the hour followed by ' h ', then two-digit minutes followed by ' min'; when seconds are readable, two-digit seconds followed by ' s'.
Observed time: 10 h 14 min
